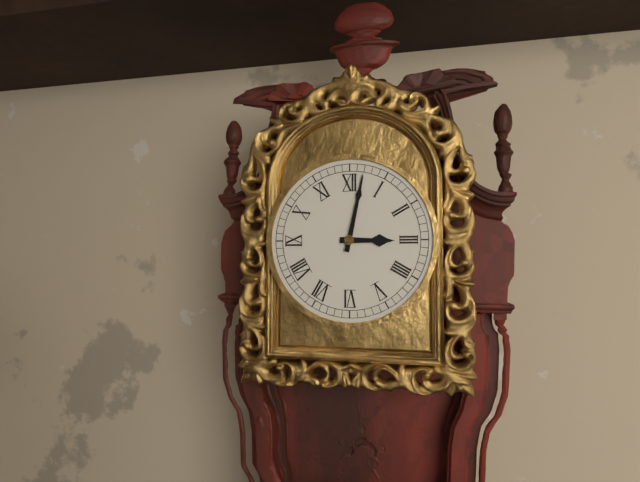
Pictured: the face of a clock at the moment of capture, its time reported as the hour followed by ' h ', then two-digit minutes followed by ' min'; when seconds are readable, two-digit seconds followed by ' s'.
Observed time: 3 h 02 min
